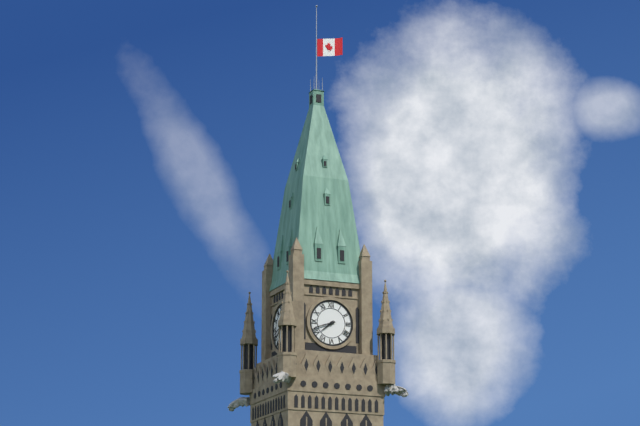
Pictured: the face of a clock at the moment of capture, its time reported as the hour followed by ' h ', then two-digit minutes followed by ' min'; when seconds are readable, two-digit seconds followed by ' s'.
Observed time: 7 h 42 min
